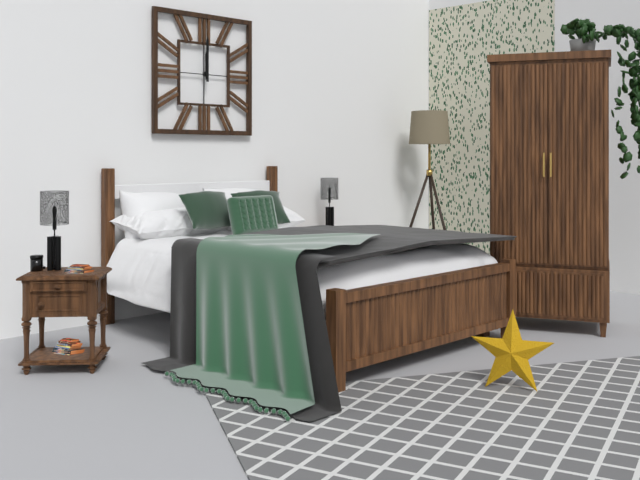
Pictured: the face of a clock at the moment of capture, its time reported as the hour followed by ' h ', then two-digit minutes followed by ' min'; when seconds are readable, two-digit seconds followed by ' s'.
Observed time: 12 h 00 min
